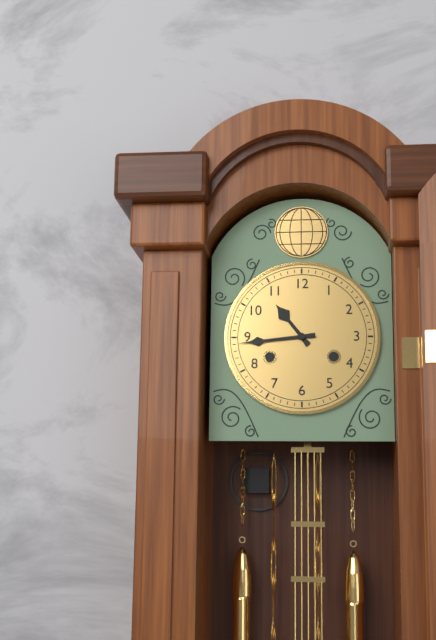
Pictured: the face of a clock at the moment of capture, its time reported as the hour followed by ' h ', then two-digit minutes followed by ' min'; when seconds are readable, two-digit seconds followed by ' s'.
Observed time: 10 h 44 min
